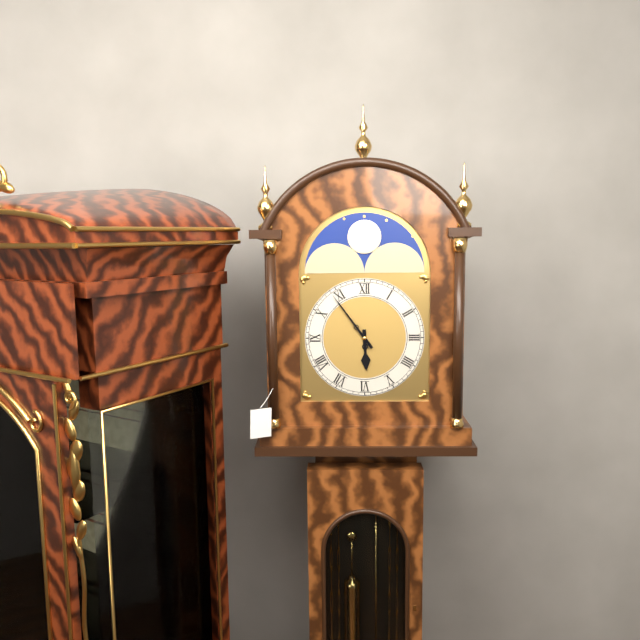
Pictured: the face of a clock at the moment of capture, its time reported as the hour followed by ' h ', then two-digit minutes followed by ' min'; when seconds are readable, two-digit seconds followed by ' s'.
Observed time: 5 h 54 min
